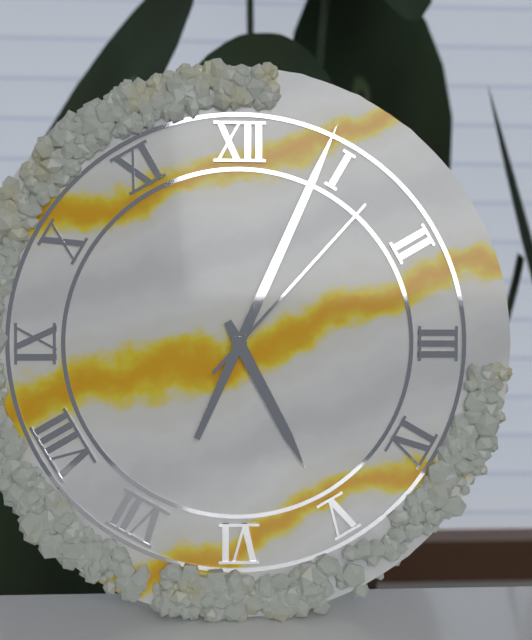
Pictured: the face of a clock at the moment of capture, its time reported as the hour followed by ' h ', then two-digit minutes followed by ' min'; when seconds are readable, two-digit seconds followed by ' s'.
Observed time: 5 h 04 min 07 s
